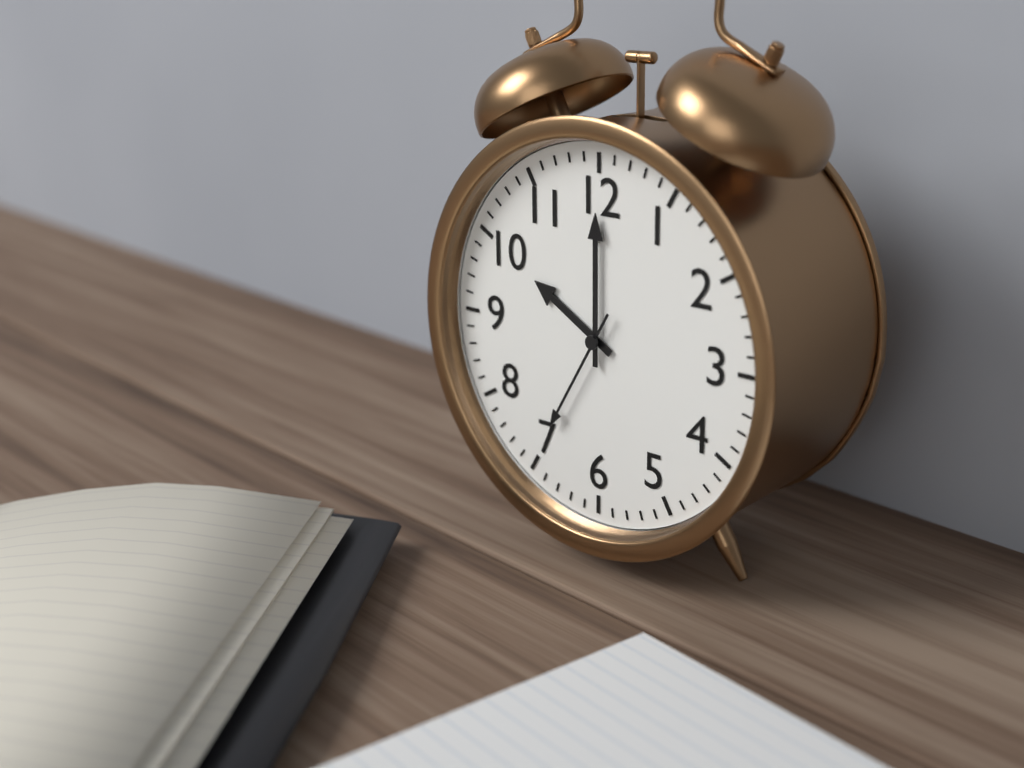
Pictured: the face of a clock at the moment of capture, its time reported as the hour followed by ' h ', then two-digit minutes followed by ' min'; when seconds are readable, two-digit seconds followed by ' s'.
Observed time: 10 h 00 min 35 s
